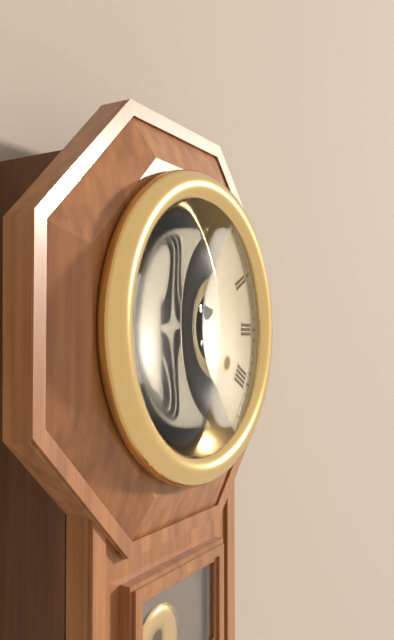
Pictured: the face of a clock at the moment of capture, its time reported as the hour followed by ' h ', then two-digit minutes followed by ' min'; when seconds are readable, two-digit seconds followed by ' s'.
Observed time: 11 h 39 min
